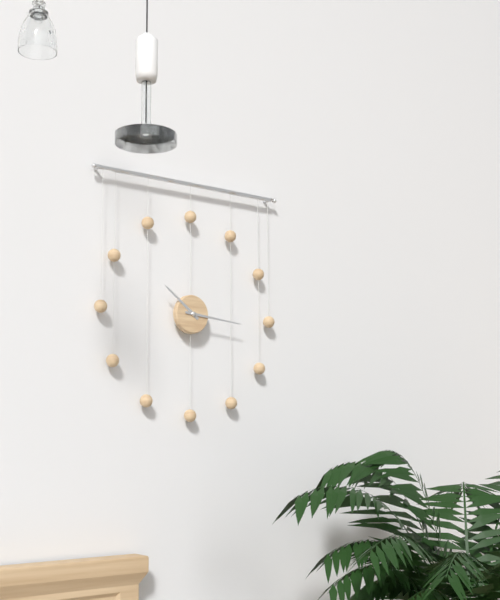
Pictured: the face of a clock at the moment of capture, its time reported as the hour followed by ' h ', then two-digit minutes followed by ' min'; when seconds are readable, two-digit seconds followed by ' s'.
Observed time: 10 h 16 min
